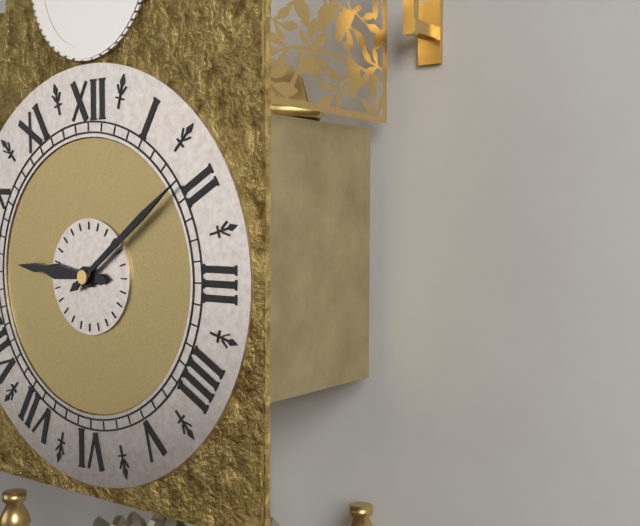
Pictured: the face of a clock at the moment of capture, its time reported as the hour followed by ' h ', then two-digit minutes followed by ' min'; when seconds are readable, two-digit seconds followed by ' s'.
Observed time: 9 h 09 min
